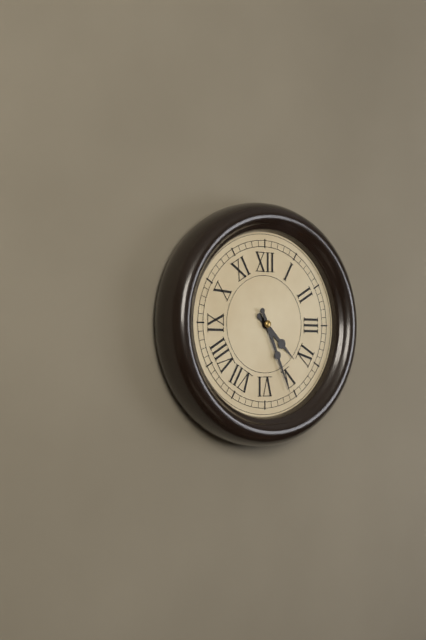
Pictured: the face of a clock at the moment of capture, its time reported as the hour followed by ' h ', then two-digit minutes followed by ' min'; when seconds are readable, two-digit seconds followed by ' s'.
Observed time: 4 h 26 min
